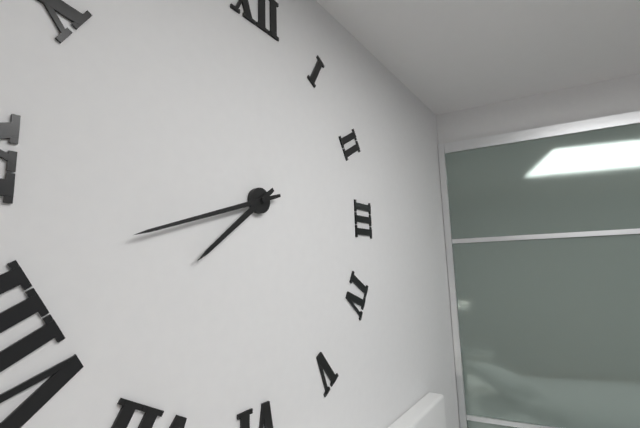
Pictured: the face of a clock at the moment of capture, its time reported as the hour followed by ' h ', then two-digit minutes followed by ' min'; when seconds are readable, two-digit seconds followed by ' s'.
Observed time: 7 h 42 min
